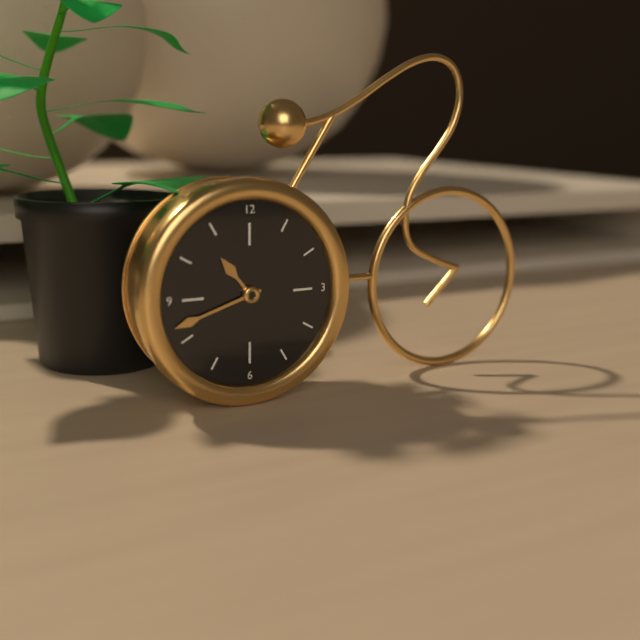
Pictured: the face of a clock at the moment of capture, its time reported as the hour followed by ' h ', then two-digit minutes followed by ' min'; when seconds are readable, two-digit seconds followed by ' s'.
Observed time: 10 h 42 min
